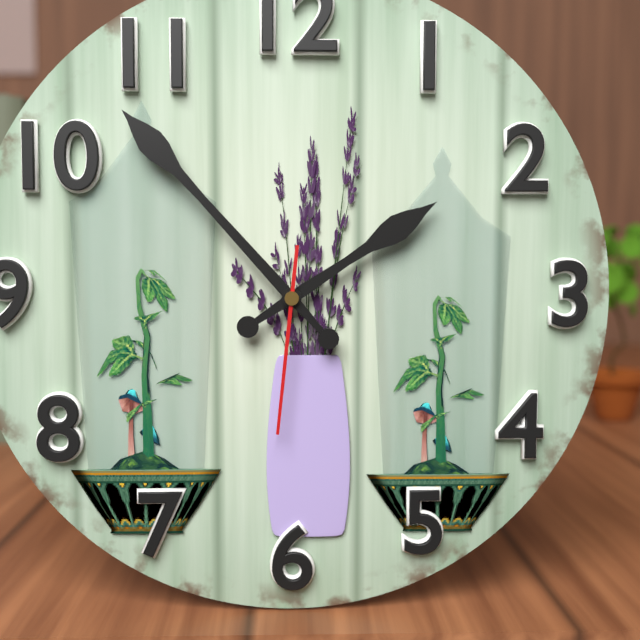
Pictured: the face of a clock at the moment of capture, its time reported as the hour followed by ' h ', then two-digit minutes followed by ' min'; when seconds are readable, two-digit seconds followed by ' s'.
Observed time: 1 h 53 min 31 s
